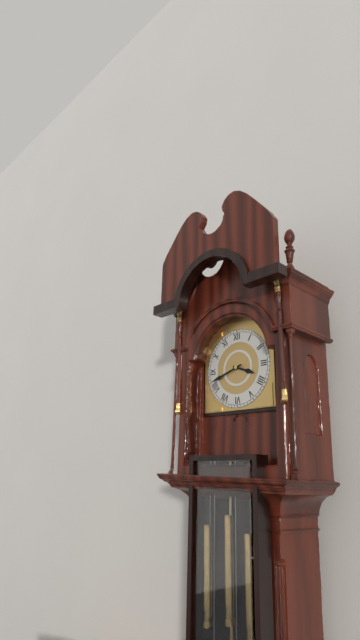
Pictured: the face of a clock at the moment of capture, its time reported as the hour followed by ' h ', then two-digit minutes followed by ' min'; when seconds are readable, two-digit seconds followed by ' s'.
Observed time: 3 h 42 min
